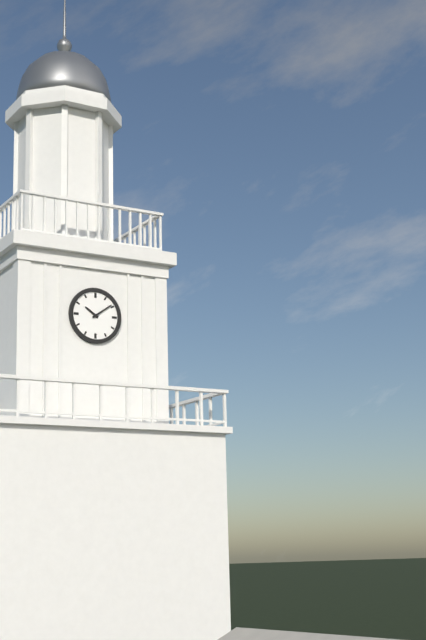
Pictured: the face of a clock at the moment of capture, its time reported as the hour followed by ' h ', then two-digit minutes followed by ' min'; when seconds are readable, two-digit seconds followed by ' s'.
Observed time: 10 h 09 min
